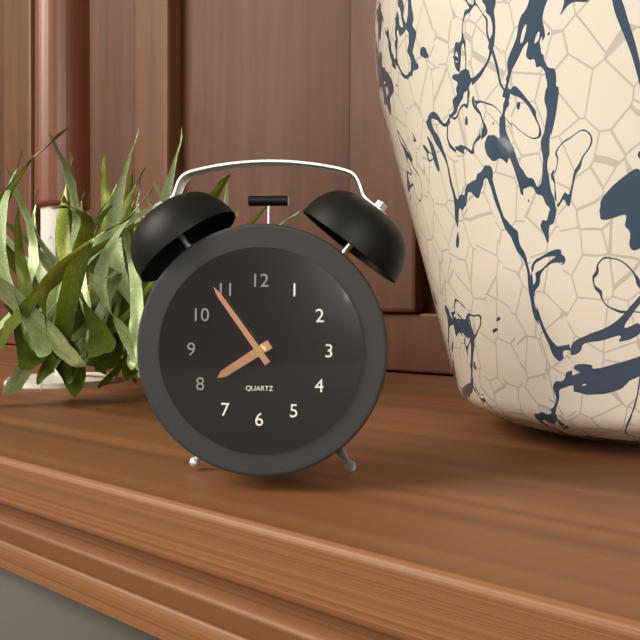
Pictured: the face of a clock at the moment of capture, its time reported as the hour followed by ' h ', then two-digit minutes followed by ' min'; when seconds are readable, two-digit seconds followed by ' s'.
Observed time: 7 h 54 min
